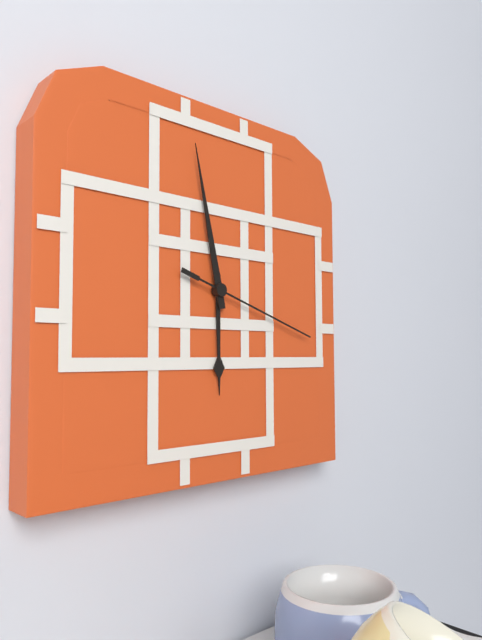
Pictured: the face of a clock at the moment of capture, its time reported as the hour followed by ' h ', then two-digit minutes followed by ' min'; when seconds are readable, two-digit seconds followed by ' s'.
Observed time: 5 h 58 min 18 s
